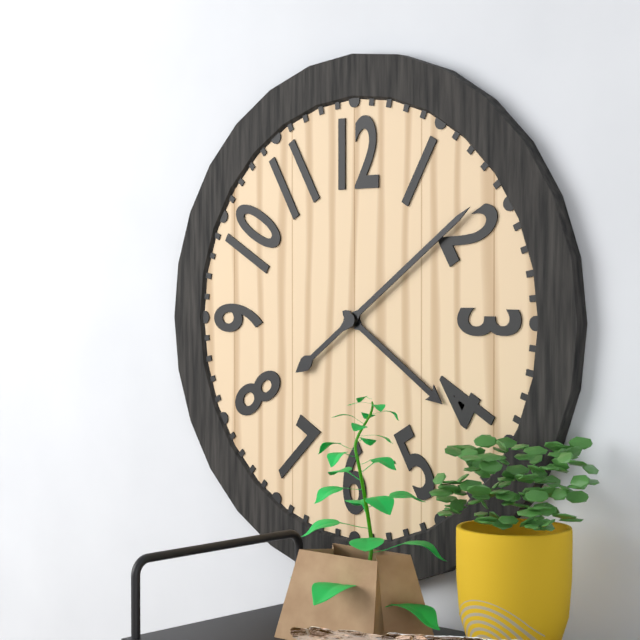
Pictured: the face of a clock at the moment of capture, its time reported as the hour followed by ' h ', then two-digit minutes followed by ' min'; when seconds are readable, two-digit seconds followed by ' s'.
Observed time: 4 h 09 min
